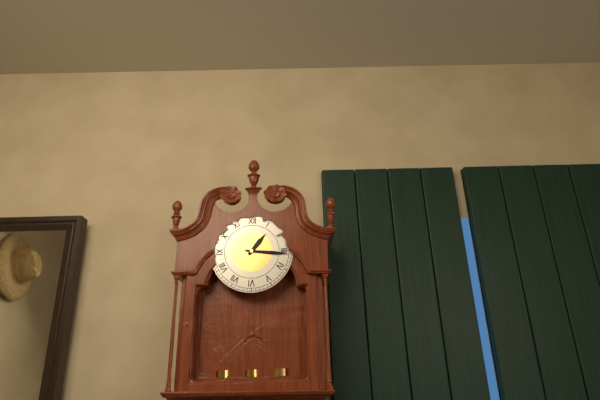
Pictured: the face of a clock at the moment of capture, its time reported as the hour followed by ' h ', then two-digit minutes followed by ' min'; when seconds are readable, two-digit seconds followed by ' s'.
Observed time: 1 h 16 min
